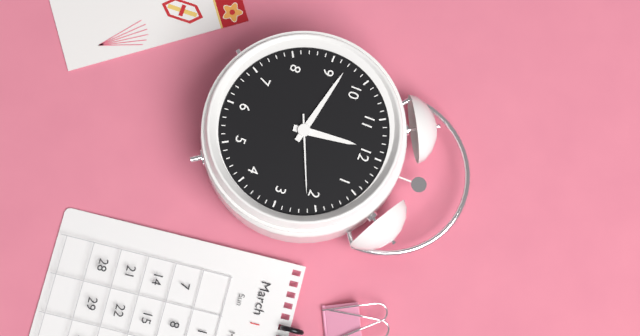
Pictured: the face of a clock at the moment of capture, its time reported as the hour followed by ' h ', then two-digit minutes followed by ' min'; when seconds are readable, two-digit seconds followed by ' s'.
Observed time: 11 h 47 min 11 s
